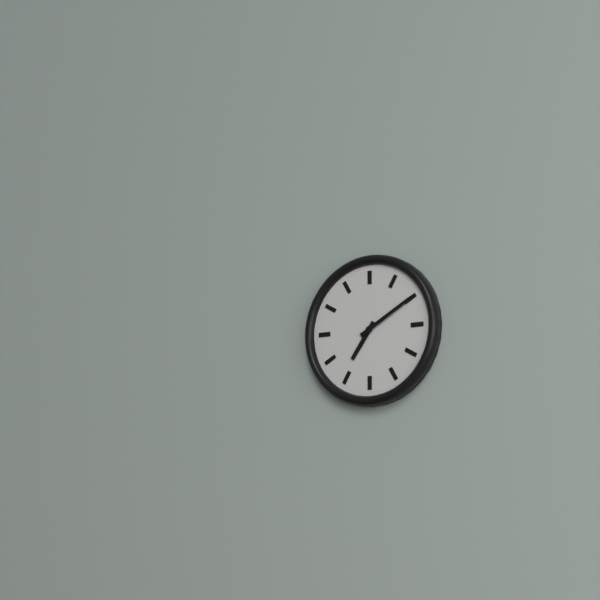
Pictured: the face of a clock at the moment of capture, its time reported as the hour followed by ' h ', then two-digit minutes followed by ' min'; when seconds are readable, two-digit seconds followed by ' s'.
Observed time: 7 h 10 min
